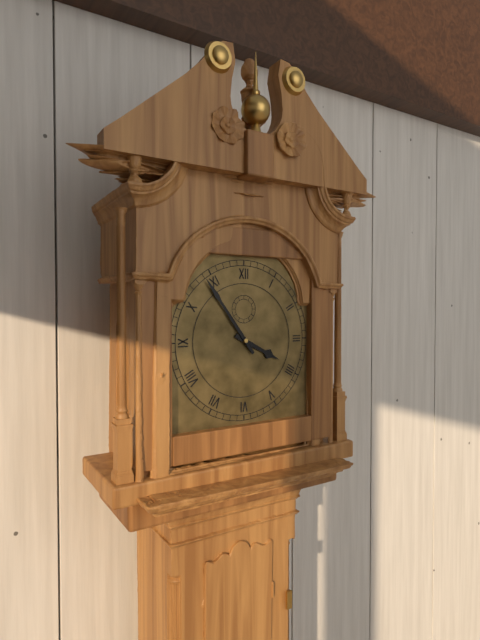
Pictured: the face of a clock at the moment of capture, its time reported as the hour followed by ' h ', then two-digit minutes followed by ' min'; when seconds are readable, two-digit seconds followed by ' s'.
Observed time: 3 h 54 min
